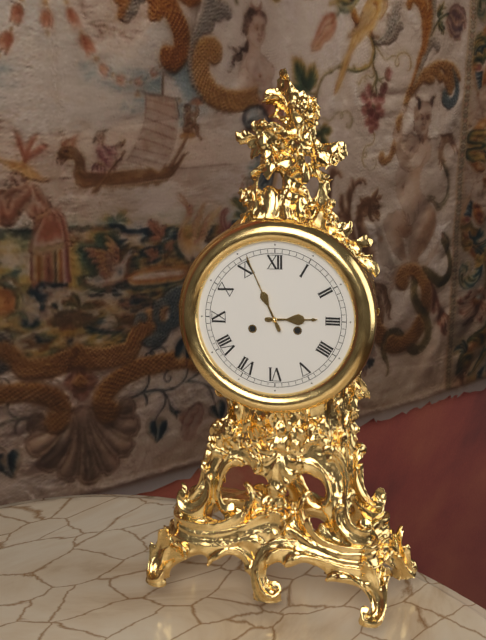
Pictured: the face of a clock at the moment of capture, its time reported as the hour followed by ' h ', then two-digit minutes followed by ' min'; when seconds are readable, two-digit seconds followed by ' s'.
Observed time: 2 h 56 min
